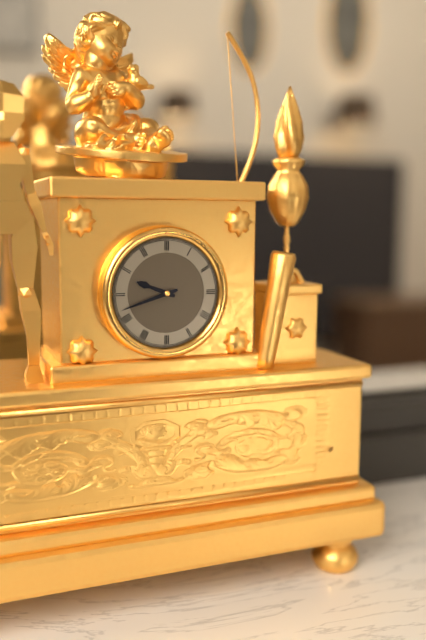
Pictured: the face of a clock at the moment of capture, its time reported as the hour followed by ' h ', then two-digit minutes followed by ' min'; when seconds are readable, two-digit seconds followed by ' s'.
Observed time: 9 h 42 min
